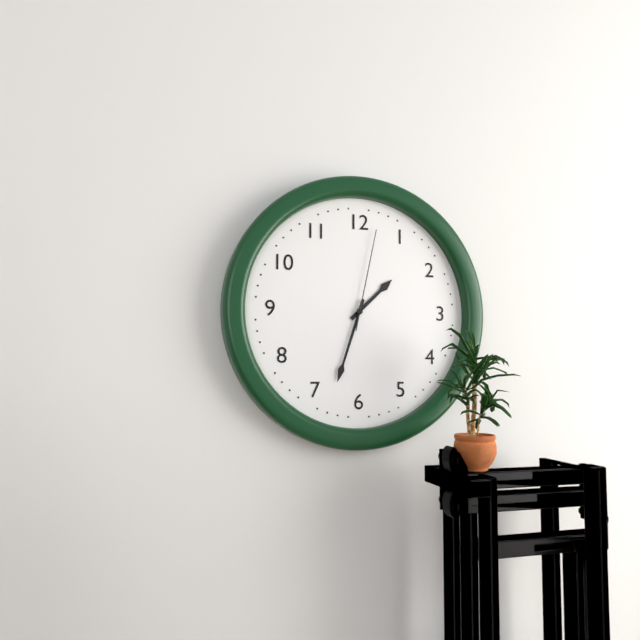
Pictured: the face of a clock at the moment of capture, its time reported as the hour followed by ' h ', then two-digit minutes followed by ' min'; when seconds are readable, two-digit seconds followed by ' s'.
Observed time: 1 h 33 min 02 s
